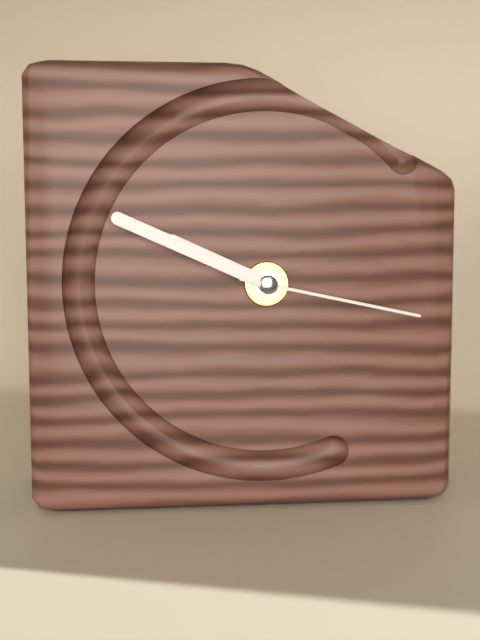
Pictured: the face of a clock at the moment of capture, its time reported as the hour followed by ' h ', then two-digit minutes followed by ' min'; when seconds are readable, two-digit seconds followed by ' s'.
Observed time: 9 h 49 min 17 s
